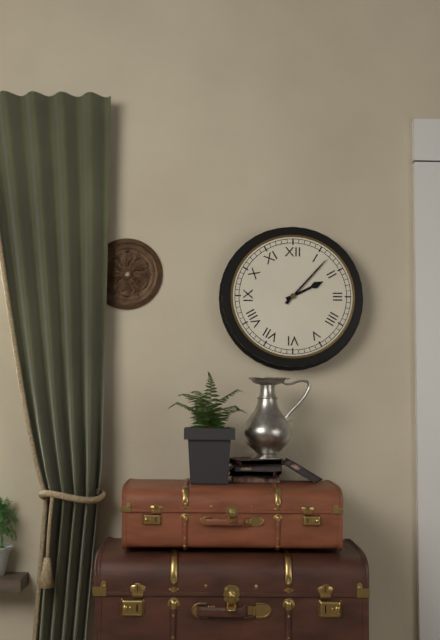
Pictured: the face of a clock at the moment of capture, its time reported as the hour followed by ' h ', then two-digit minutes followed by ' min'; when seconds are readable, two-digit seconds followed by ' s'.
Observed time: 2 h 07 min
